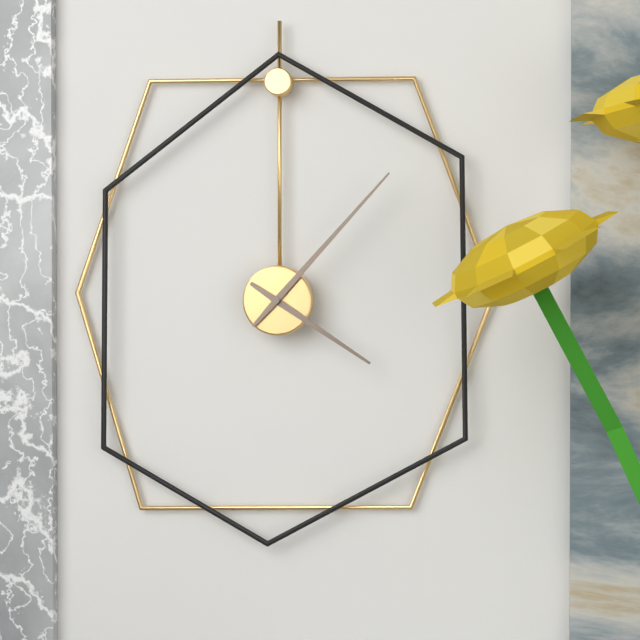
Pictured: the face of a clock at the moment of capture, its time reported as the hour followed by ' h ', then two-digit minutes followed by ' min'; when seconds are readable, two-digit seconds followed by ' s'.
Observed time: 4 h 07 min
